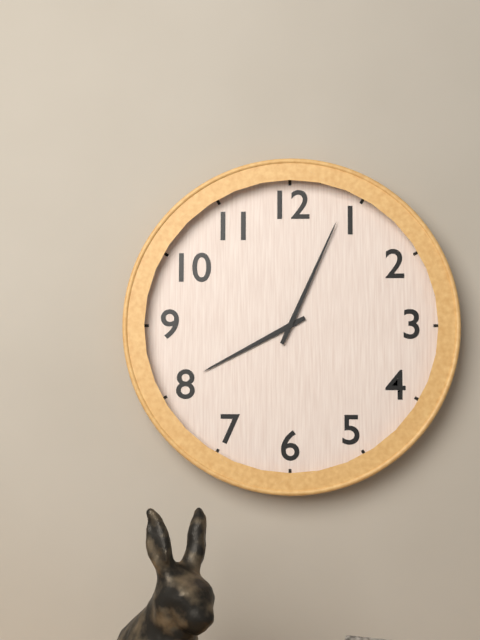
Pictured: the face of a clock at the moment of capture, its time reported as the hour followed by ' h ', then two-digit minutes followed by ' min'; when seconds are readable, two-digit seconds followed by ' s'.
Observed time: 8 h 04 min
